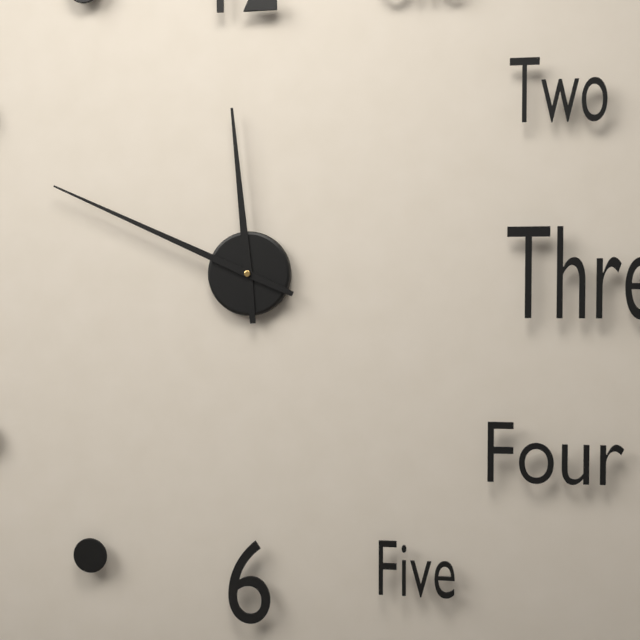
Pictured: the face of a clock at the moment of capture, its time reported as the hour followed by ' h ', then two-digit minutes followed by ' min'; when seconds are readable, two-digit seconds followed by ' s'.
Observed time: 11 h 49 min
